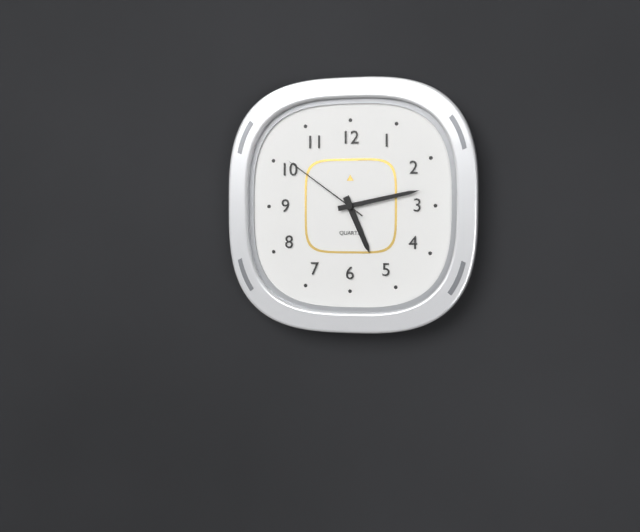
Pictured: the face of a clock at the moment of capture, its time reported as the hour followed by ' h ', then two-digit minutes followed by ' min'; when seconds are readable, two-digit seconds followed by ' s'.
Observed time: 5 h 13 min 51 s
